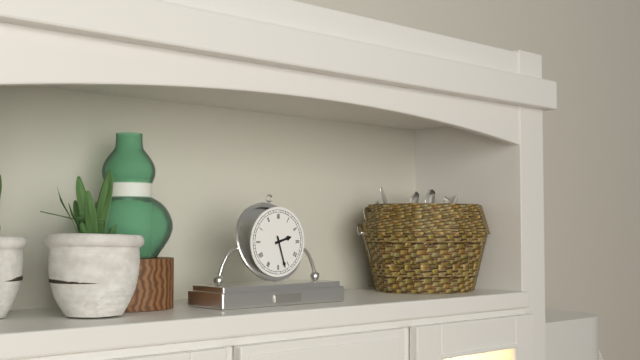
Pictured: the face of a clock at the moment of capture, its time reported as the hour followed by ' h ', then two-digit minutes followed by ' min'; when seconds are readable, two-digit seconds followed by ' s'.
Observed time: 2 h 27 min
